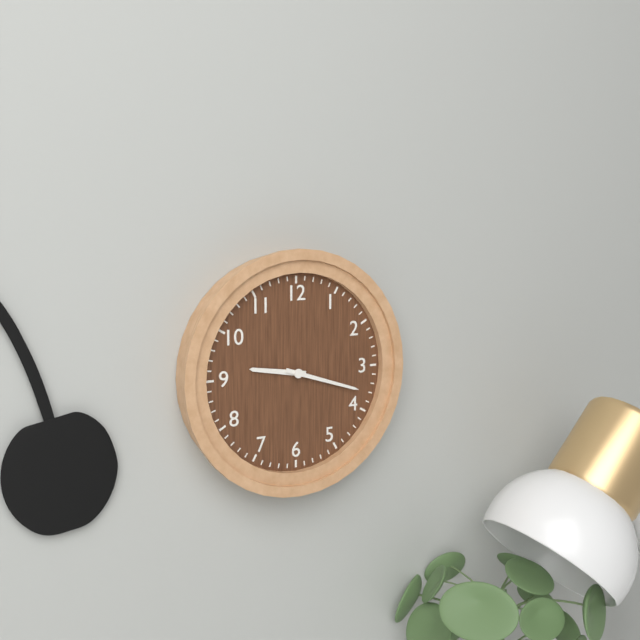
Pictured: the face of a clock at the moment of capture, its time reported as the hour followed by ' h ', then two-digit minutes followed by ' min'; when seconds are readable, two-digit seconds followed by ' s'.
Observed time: 9 h 18 min
